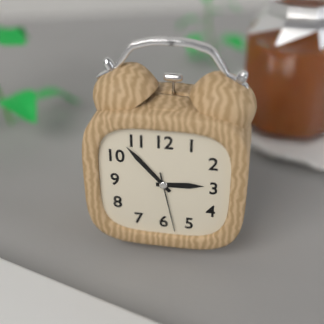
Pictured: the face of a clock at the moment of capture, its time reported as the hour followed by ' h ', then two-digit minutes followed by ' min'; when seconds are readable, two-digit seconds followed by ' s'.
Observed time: 2 h 53 min 28 s
